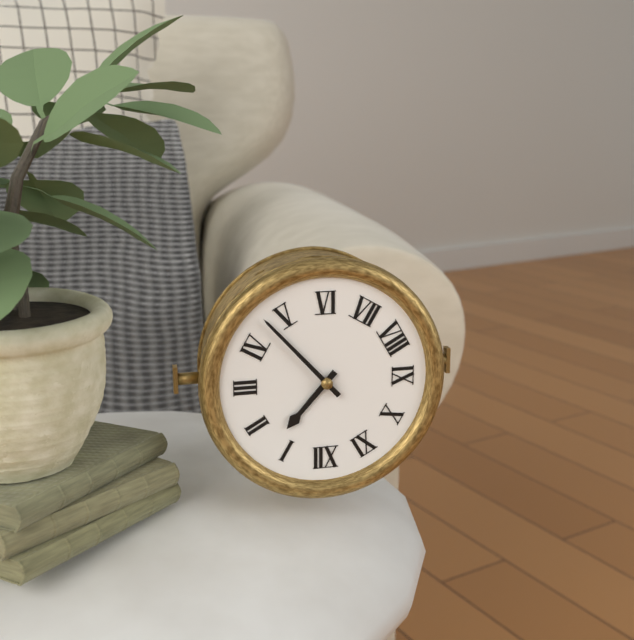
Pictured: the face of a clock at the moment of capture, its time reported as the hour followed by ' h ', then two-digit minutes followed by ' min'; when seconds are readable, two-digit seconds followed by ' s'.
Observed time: 1 h 23 min
